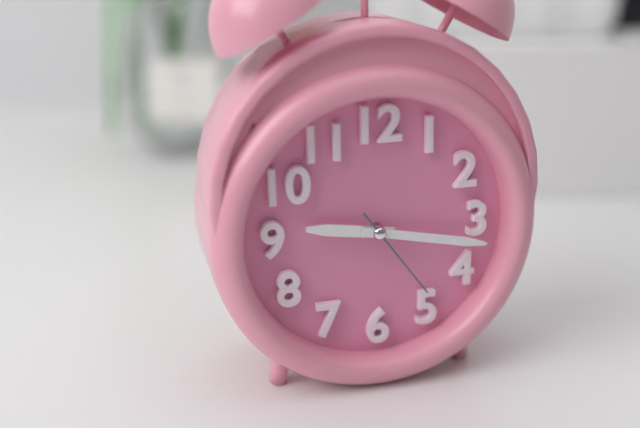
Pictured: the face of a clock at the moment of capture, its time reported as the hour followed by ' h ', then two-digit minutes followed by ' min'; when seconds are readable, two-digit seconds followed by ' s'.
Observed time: 9 h 17 min 24 s
